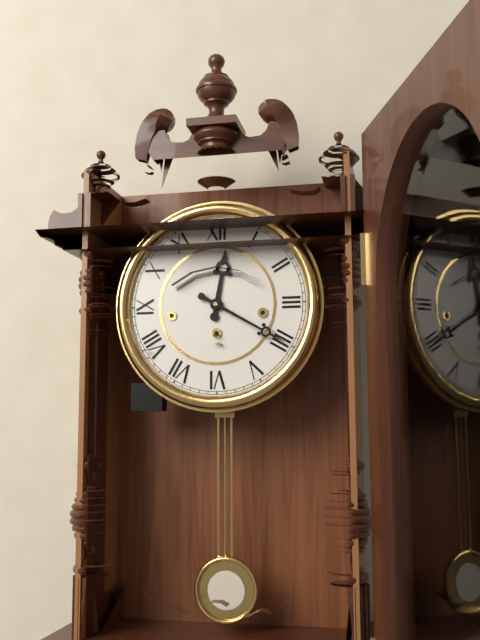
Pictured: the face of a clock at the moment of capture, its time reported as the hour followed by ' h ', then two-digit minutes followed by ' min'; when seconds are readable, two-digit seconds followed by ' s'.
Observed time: 12 h 20 min
